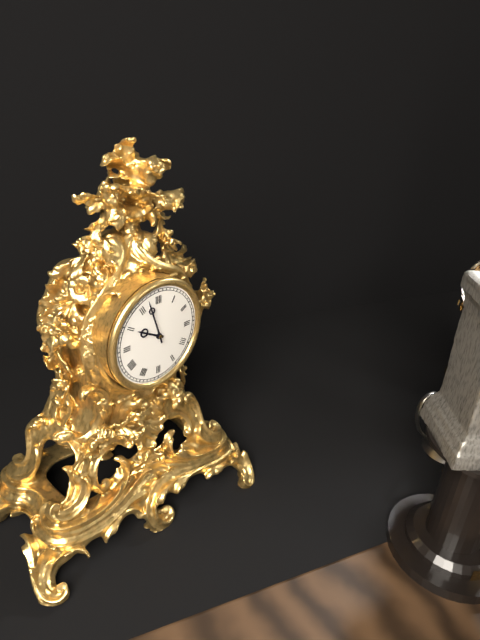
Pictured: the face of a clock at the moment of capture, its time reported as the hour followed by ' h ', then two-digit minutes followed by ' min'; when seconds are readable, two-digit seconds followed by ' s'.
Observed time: 9 h 57 min
